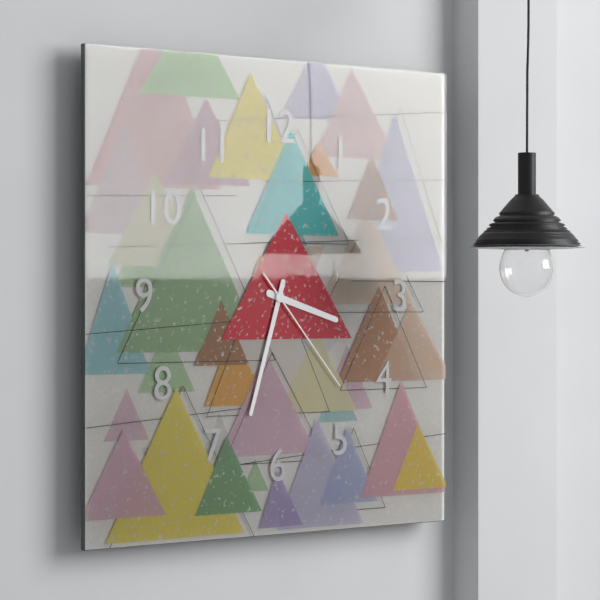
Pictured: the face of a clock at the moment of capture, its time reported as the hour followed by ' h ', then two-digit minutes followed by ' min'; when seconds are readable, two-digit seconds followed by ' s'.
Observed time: 3 h 33 min 23 s
